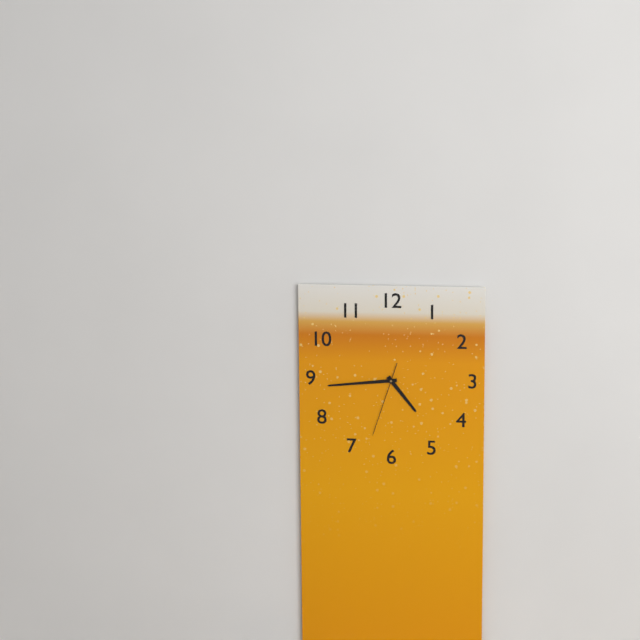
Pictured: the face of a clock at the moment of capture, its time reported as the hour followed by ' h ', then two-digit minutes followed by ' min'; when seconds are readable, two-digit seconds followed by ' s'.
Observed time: 4 h 44 min 33 s
